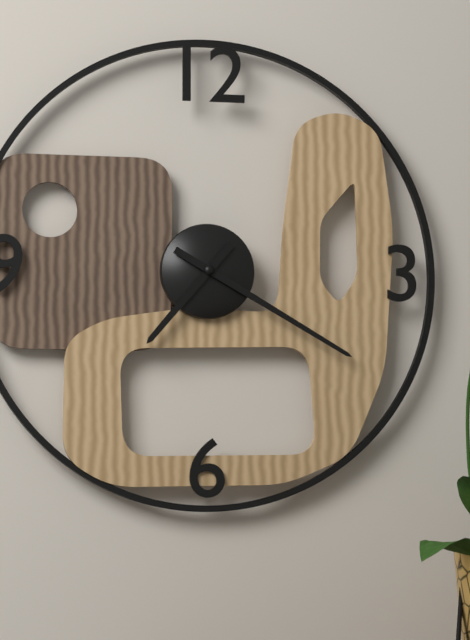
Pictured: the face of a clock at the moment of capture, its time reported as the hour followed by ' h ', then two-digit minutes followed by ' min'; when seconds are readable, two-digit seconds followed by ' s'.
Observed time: 7 h 20 min
